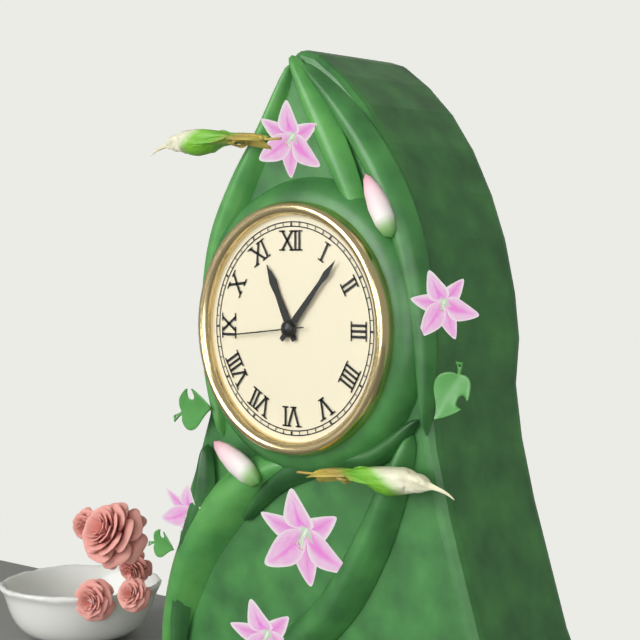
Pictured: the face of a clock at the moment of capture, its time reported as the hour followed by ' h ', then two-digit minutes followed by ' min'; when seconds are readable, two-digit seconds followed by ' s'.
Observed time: 11 h 07 min 44 s
